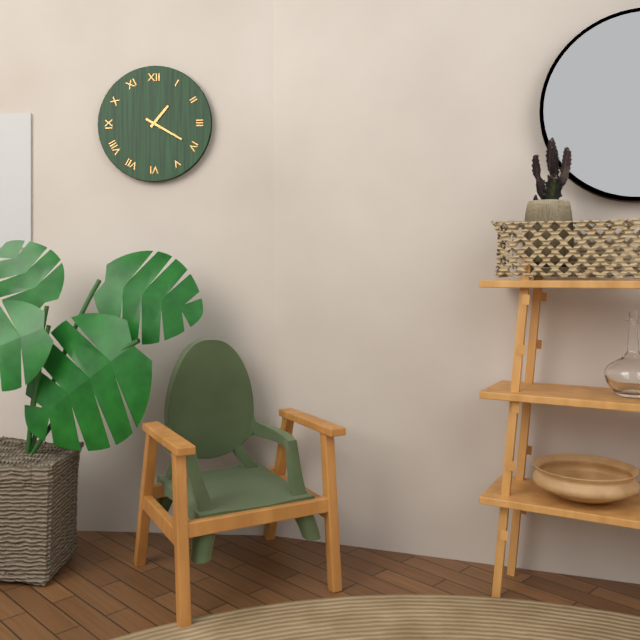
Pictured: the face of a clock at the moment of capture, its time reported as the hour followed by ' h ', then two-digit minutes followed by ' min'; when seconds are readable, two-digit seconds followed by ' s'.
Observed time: 1 h 20 min
